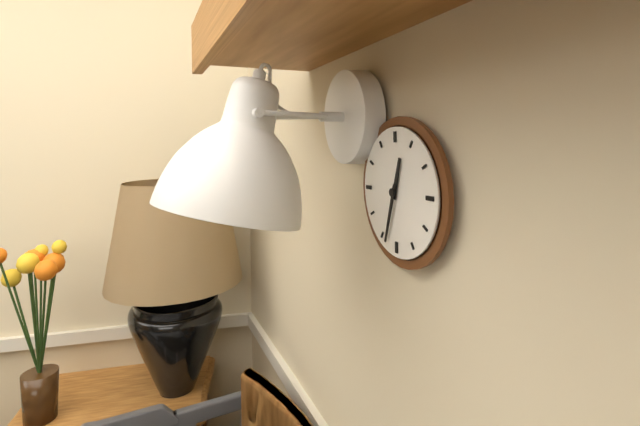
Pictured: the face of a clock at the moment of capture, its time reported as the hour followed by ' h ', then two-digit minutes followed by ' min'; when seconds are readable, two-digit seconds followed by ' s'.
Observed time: 12 h 33 min
